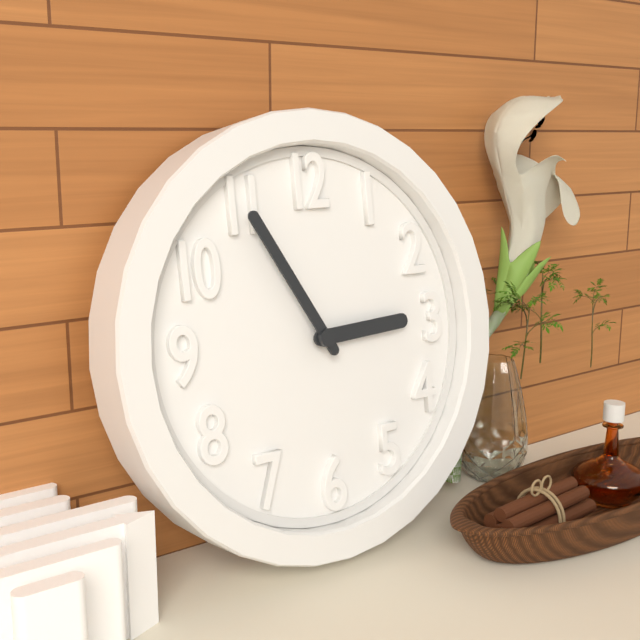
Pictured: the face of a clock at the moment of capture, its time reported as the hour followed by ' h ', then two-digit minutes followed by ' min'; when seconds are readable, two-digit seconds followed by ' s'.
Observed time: 2 h 55 min
